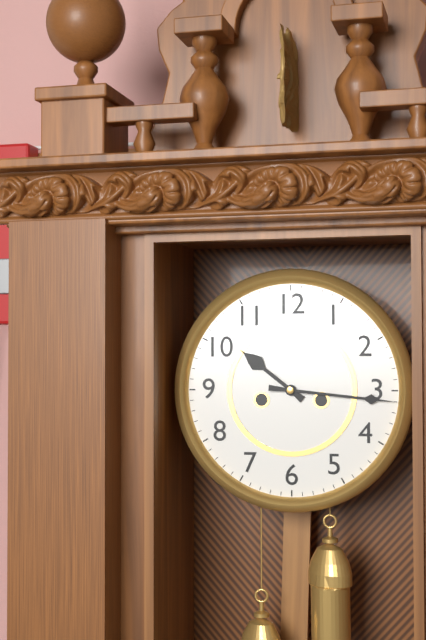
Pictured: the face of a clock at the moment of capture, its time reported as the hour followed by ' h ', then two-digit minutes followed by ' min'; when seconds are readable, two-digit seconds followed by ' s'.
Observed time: 10 h 16 min
